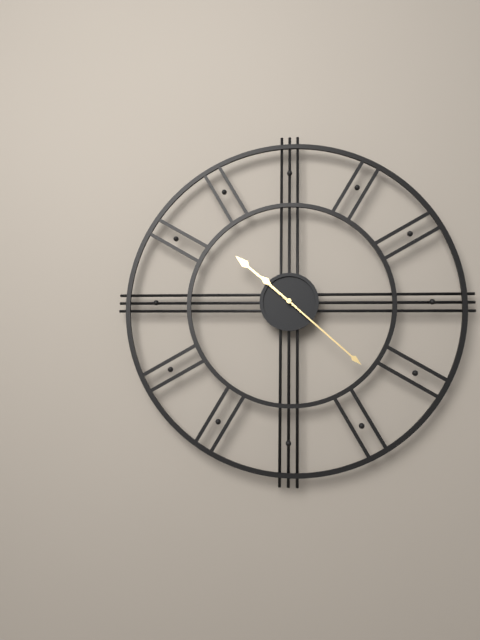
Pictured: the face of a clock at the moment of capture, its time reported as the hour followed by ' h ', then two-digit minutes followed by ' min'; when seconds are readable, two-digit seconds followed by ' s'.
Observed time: 10 h 22 min
